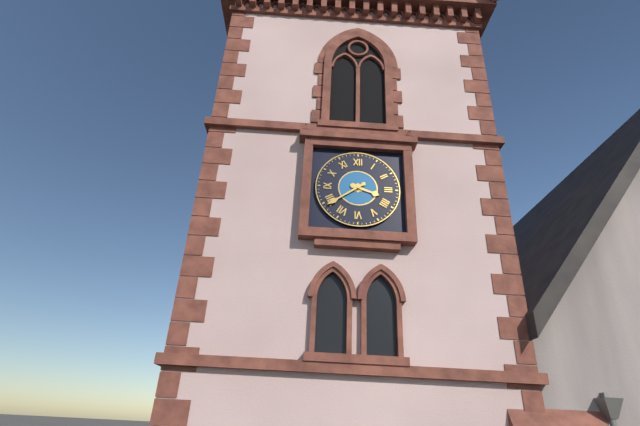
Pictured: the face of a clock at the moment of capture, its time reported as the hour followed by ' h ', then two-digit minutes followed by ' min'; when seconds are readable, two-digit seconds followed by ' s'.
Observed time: 3 h 39 min
